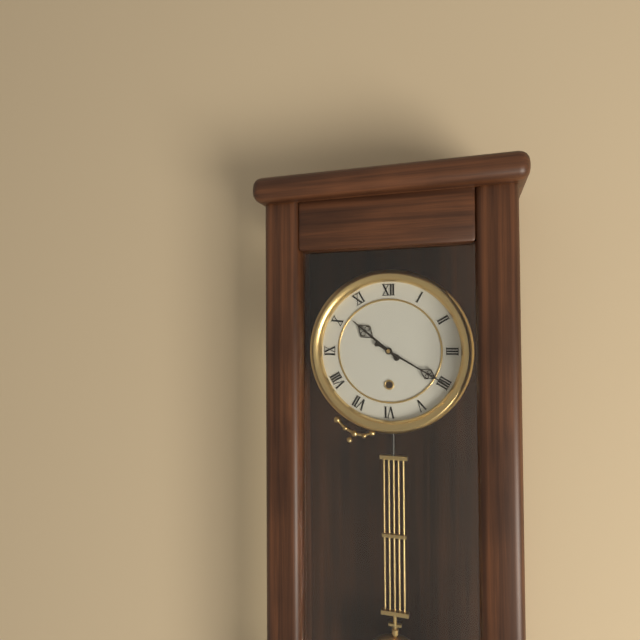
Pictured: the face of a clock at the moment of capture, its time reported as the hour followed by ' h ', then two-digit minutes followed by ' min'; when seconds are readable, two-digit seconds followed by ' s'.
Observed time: 10 h 20 min
